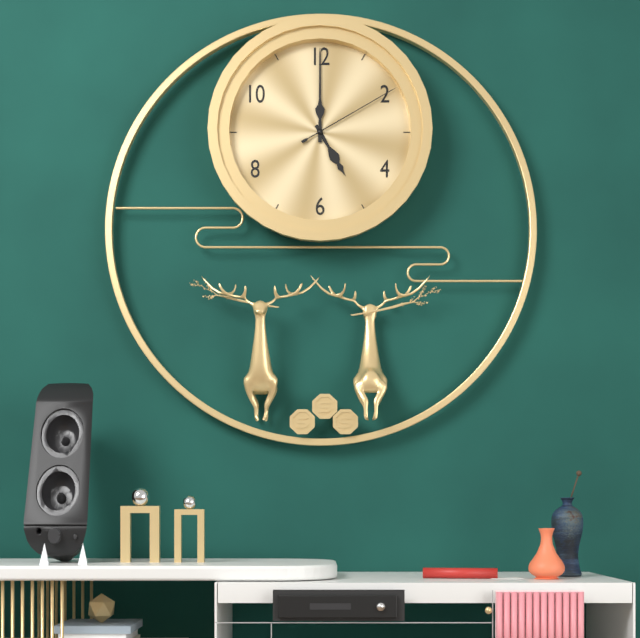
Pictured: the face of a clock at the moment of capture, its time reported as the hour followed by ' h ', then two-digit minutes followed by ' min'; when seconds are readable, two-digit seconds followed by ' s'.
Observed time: 5 h 00 min 10 s
